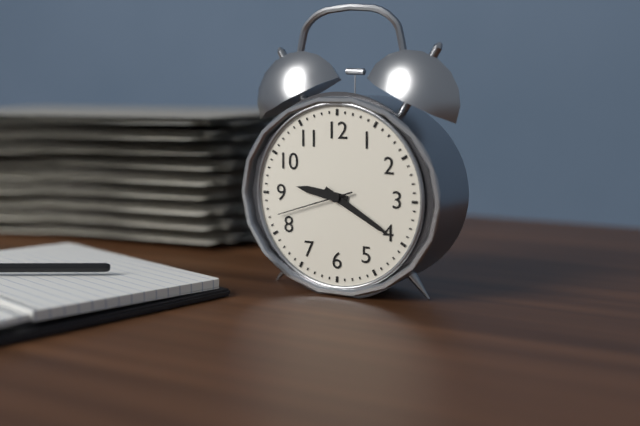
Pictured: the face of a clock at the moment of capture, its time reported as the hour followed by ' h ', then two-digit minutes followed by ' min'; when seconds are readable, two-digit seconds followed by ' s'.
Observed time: 9 h 20 min 42 s
